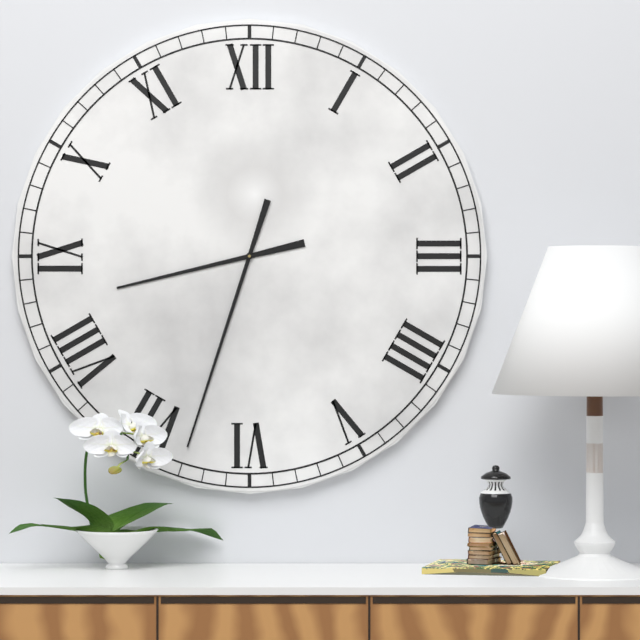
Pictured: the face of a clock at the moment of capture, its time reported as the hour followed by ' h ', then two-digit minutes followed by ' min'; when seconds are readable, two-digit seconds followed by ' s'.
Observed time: 8 h 33 min
